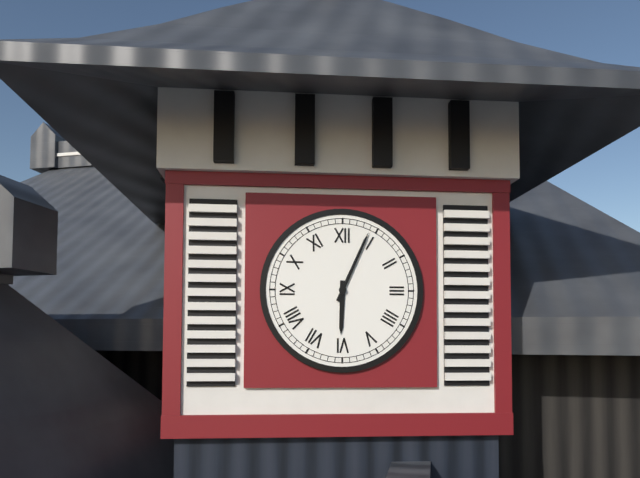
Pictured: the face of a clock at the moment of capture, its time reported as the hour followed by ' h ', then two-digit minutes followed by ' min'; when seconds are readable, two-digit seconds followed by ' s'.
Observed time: 6 h 04 min
